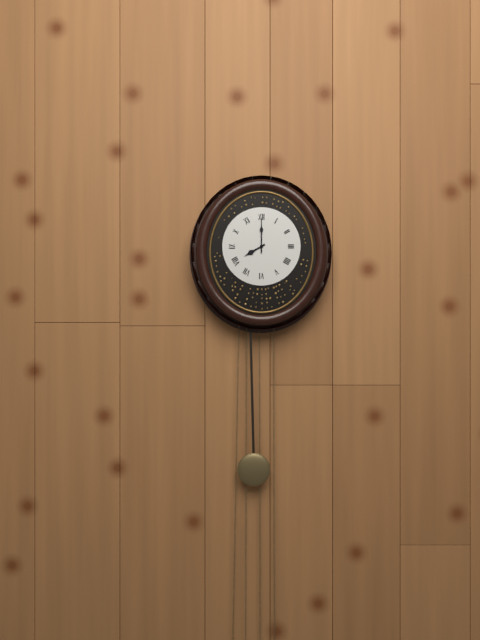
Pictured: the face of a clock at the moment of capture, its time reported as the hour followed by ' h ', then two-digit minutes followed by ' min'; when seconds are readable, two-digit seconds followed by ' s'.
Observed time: 8 h 00 min
